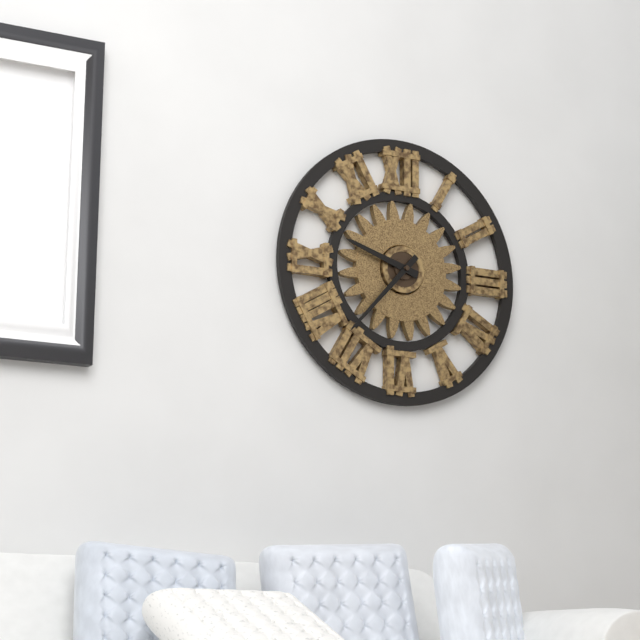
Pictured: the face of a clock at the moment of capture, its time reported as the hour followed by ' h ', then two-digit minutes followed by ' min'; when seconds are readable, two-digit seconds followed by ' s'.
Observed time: 9 h 37 min
